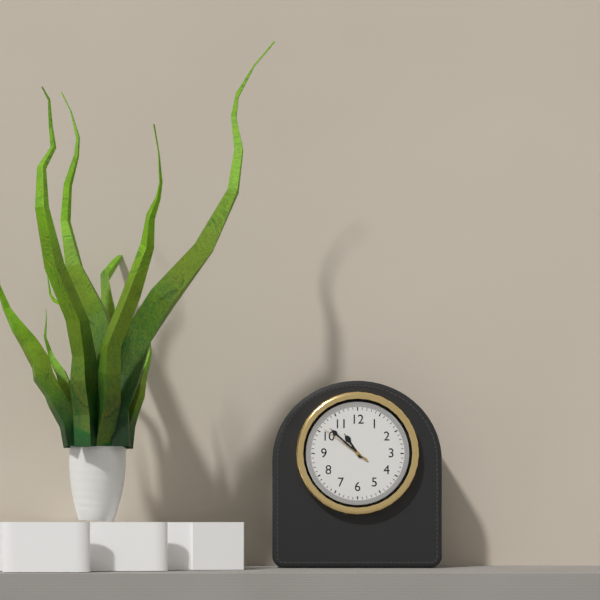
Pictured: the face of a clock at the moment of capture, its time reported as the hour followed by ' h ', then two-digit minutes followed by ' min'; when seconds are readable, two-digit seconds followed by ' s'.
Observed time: 10 h 52 min 51 s
